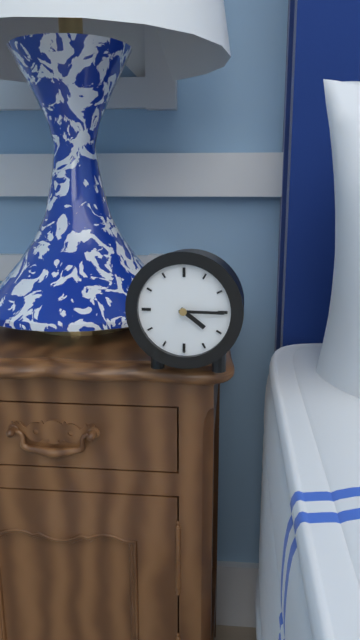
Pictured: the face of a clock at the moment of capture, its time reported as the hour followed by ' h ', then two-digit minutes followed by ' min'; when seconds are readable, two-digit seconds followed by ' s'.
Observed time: 4 h 15 min
